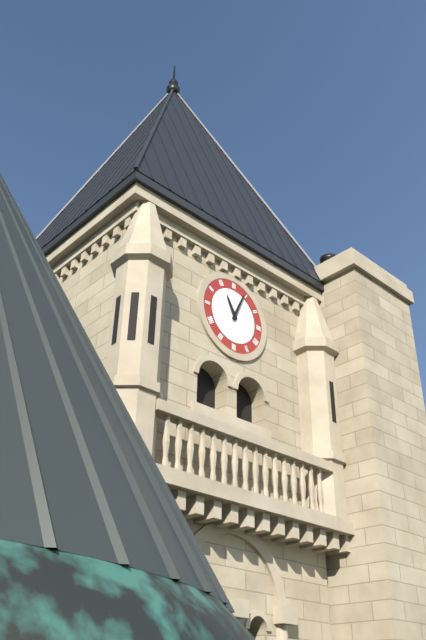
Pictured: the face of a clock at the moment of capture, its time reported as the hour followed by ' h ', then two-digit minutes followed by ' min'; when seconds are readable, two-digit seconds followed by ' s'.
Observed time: 11 h 04 min
